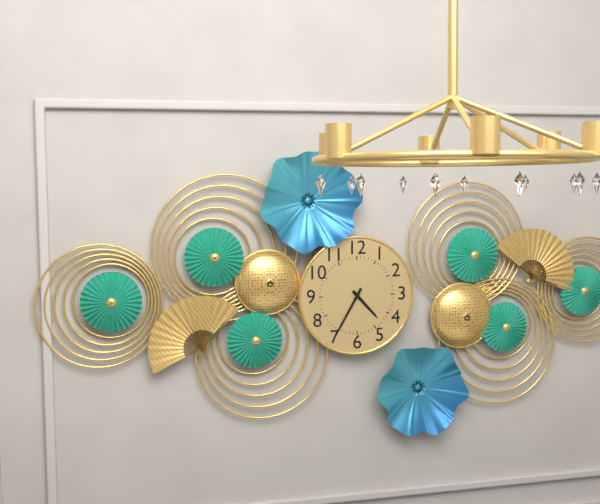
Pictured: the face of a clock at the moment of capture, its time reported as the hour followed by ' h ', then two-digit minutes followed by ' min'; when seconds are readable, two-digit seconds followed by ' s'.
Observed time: 4 h 35 min
